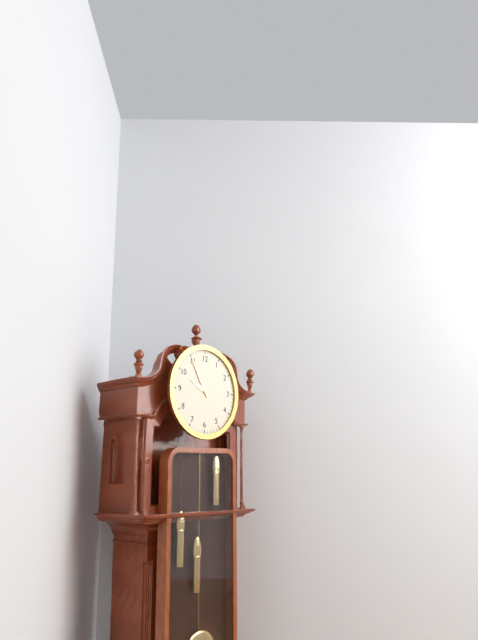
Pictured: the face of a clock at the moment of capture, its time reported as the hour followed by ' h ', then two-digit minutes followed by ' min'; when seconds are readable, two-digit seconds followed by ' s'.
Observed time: 9 h 55 min
